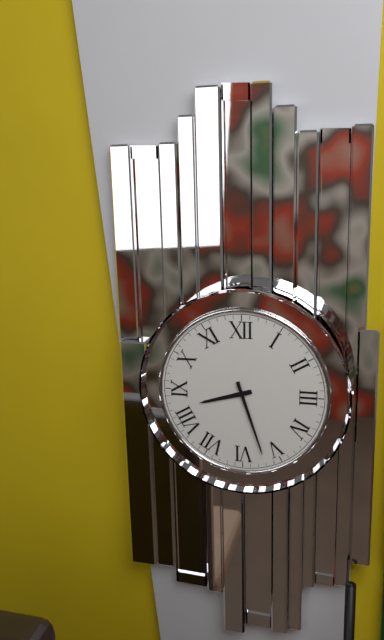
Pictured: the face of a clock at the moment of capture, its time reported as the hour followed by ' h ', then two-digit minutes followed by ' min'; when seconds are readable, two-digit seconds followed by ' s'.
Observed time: 8 h 27 min
